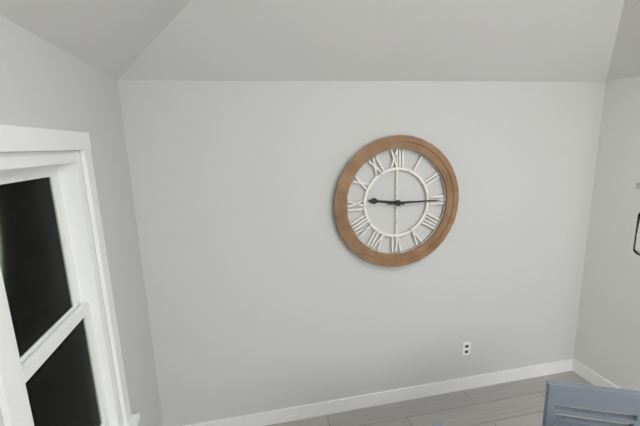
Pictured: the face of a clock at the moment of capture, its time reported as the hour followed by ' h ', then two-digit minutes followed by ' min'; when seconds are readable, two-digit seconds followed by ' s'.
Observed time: 9 h 15 min
